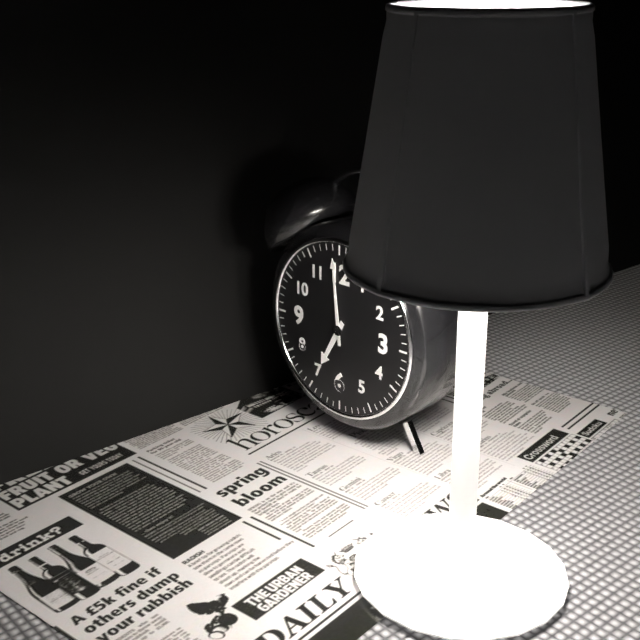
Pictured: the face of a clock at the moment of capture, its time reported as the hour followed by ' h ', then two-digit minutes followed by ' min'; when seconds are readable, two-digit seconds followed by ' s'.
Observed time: 6 h 59 min
